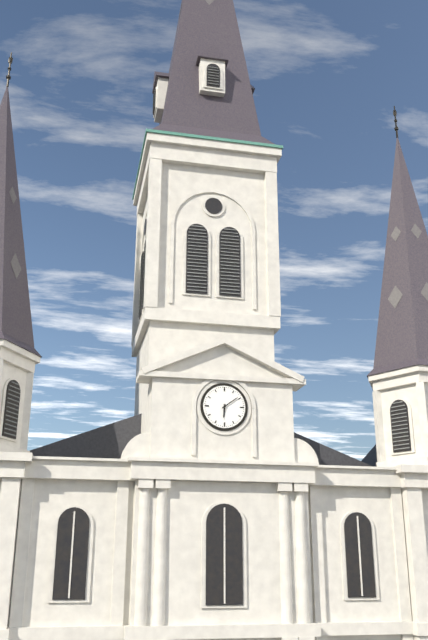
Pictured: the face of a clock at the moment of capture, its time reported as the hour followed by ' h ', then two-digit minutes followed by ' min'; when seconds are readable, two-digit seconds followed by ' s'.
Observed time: 6 h 09 min
